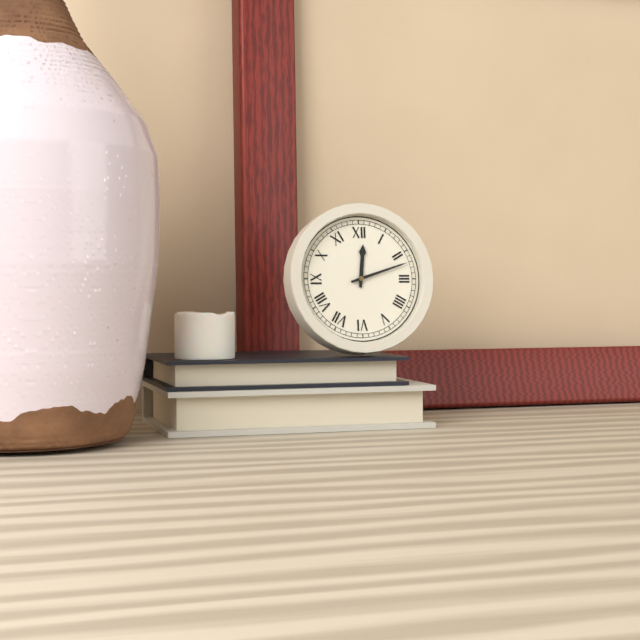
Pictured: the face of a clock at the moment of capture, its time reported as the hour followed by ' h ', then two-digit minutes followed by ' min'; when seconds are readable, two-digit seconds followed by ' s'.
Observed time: 12 h 12 min
